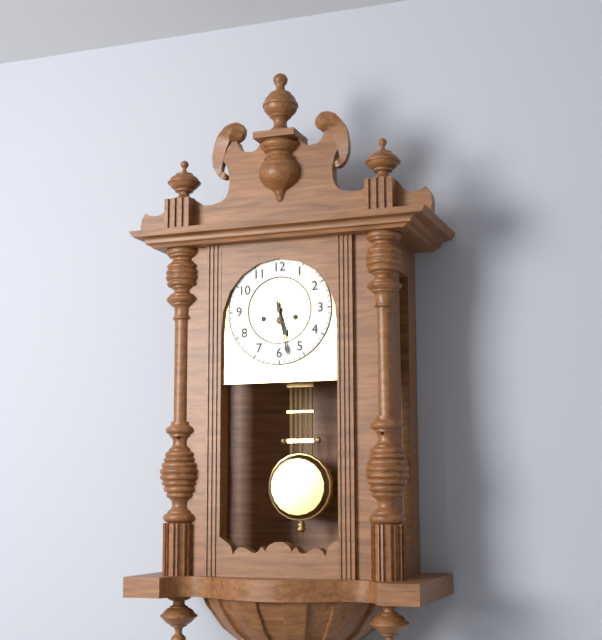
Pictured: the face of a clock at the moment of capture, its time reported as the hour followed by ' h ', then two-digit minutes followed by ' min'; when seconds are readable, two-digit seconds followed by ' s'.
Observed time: 5 h 28 min
